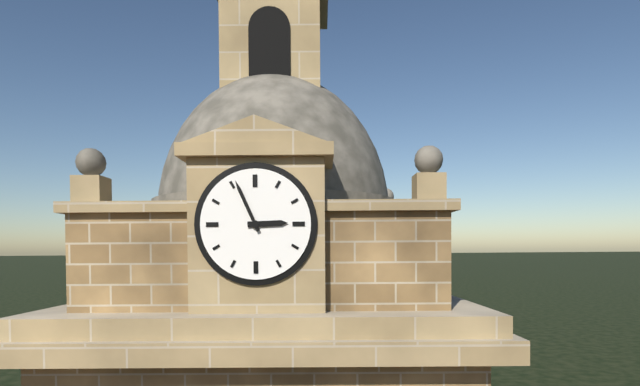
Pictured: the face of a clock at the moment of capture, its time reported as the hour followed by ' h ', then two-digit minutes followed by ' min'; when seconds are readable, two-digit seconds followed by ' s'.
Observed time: 2 h 56 min
